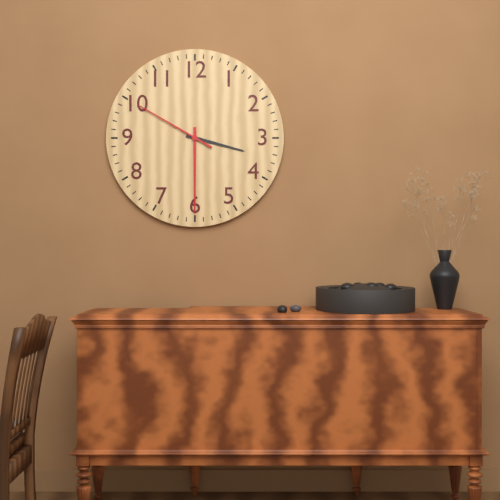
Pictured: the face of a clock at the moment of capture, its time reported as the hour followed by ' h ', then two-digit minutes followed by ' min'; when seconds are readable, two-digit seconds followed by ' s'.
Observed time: 3 h 30 min 50 s
